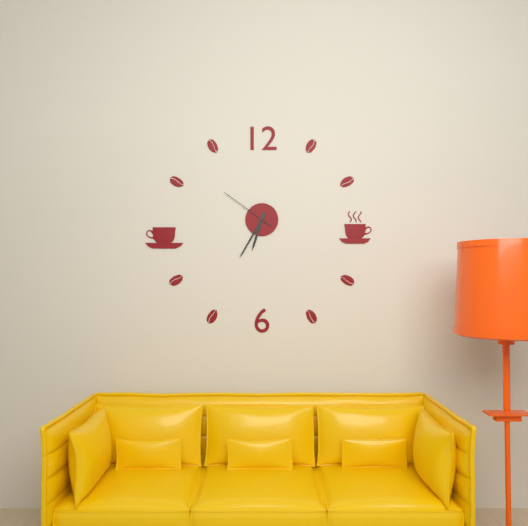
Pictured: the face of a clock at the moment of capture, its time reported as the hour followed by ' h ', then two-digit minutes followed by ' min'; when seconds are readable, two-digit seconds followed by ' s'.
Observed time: 6 h 35 min 51 s
